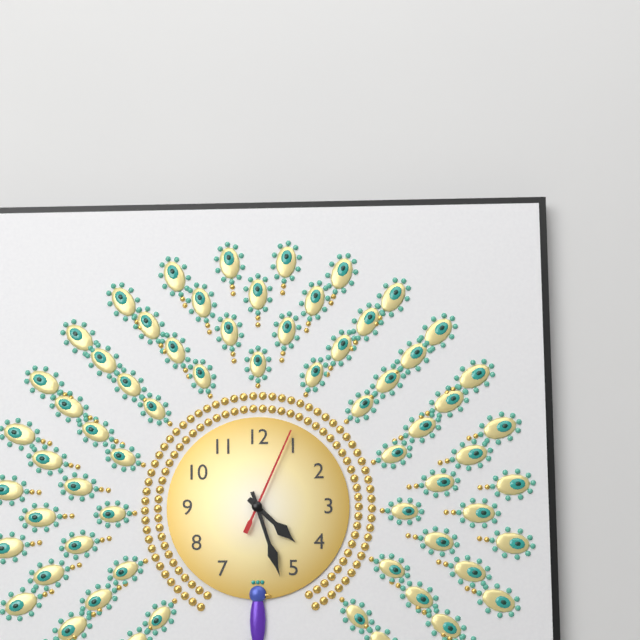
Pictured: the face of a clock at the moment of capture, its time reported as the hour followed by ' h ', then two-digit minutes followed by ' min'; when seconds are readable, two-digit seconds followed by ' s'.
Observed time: 4 h 27 min 04 s
